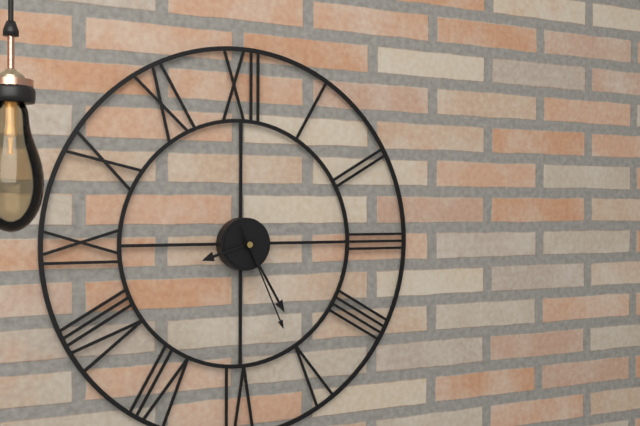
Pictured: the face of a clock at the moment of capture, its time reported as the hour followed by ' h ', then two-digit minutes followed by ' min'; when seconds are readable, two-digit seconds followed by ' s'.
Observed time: 8 h 25 min 26 s
